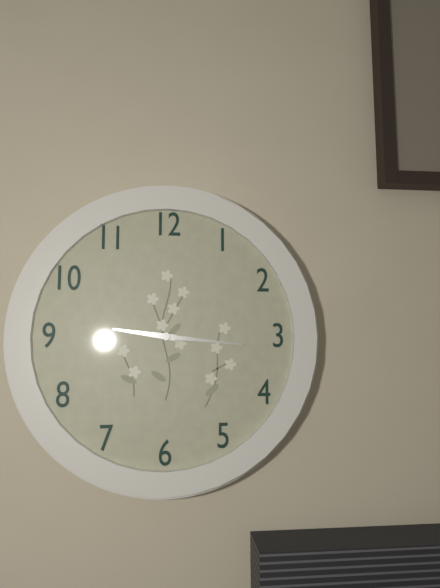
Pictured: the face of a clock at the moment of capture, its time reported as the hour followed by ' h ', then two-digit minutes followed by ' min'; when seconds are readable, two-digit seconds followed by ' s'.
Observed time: 9 h 16 min
